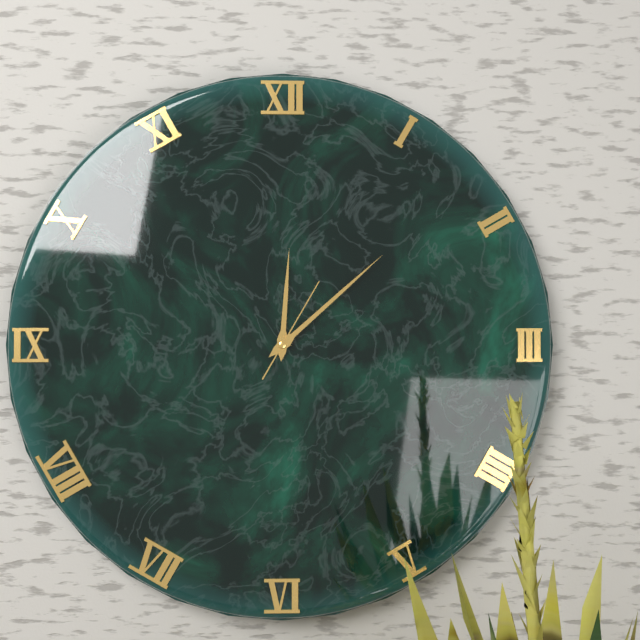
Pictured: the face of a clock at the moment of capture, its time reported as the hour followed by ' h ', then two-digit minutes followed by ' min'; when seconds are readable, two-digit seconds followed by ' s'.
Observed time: 12 h 08 min 05 s
